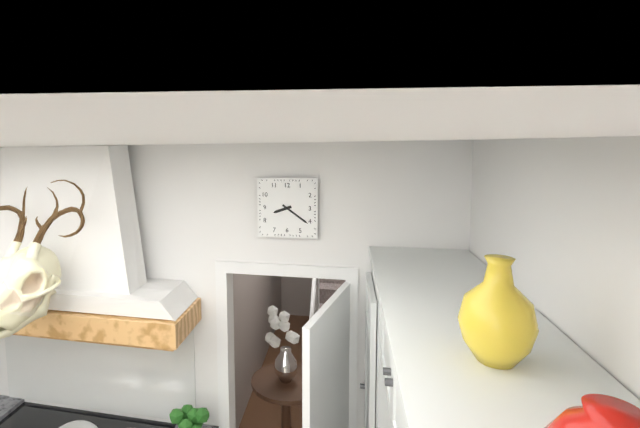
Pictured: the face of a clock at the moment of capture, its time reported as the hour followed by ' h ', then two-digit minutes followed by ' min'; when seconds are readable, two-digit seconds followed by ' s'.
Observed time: 8 h 21 min
